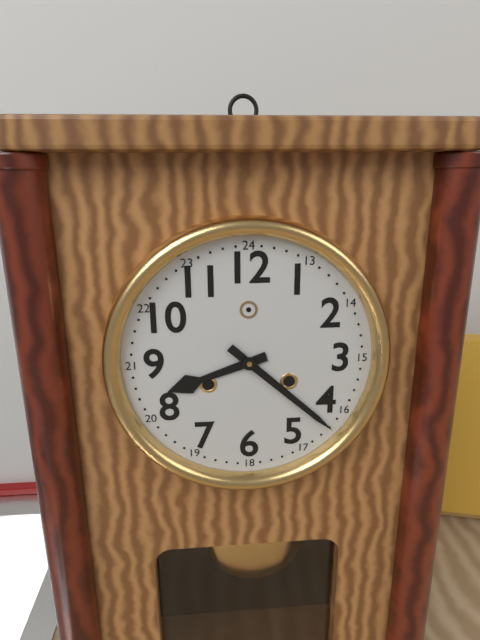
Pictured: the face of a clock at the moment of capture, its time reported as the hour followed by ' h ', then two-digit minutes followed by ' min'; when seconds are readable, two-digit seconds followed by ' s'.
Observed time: 8 h 22 min
